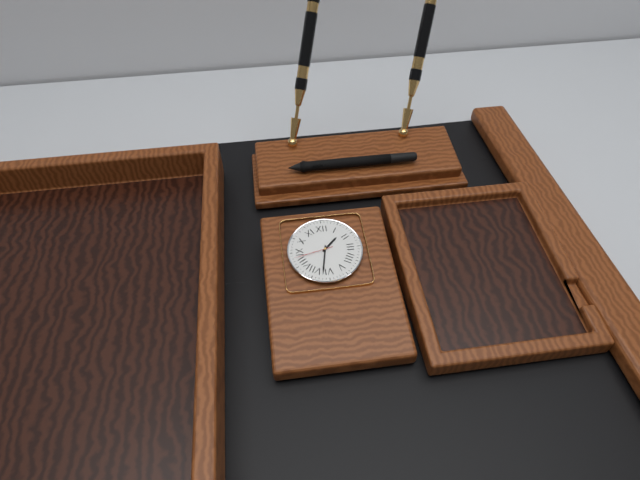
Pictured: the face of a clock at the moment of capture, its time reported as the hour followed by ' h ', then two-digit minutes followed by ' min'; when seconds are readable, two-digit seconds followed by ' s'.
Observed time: 1 h 32 min
